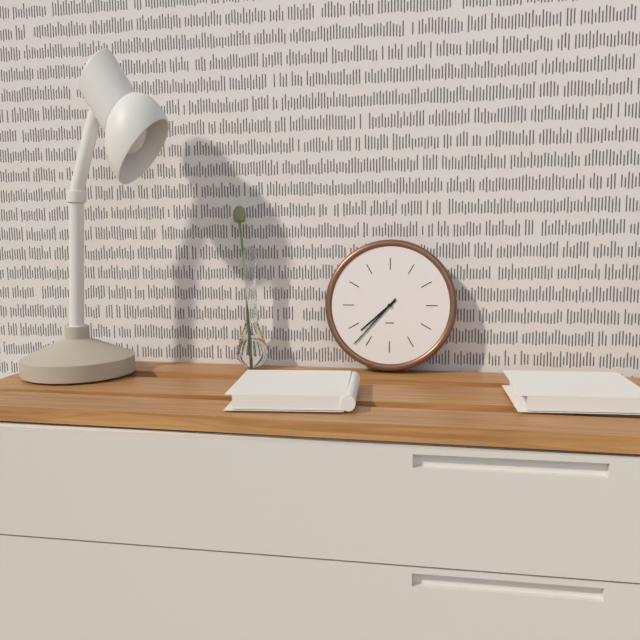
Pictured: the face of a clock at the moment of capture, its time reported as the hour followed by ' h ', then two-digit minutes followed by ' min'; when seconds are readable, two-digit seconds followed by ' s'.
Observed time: 7 h 37 min
